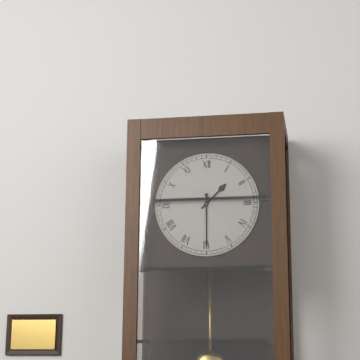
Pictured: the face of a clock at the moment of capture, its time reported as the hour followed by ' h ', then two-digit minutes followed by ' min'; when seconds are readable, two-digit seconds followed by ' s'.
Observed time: 1 h 30 min
